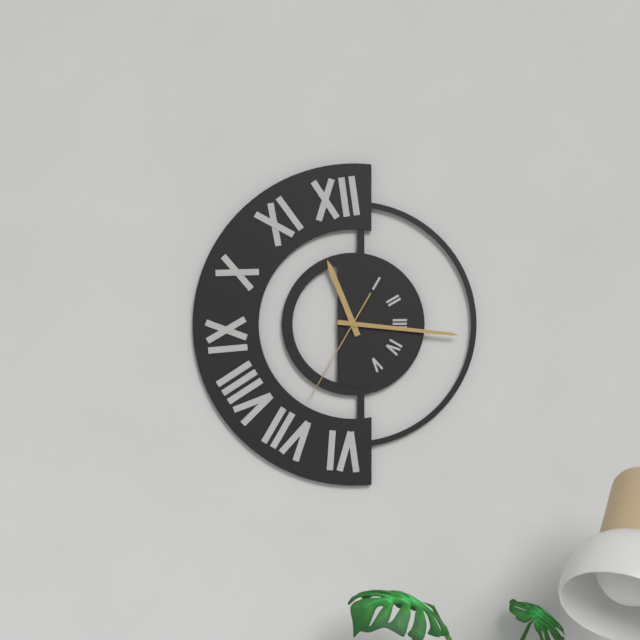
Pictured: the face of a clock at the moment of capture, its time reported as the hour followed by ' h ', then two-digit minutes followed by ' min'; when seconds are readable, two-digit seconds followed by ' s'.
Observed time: 11 h 16 min 35 s
